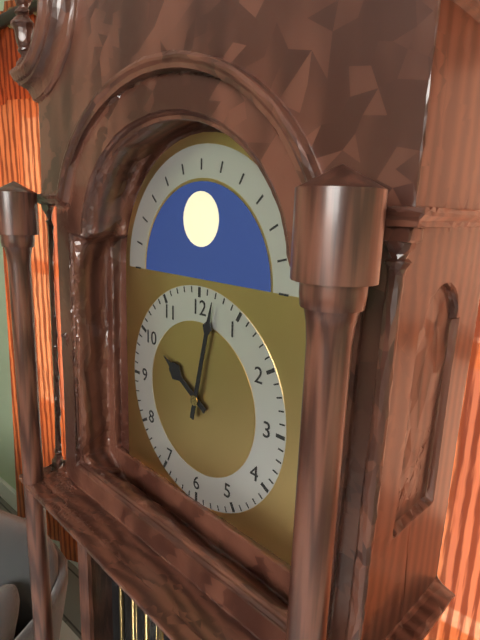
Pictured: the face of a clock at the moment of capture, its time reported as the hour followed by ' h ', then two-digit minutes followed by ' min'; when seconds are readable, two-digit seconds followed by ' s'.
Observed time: 10 h 02 min
